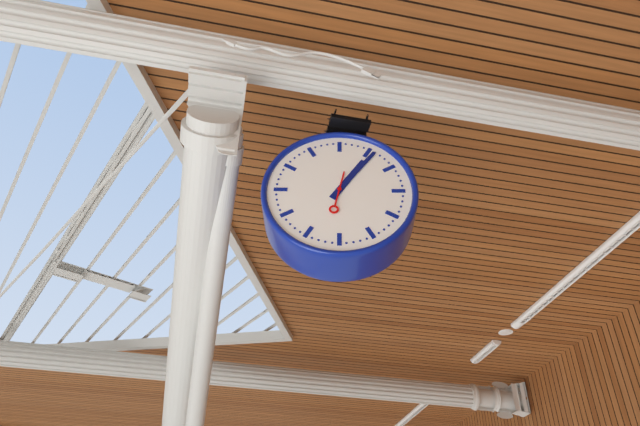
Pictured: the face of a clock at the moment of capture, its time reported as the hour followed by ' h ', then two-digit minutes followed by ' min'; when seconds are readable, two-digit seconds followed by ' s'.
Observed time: 1 h 06 min
